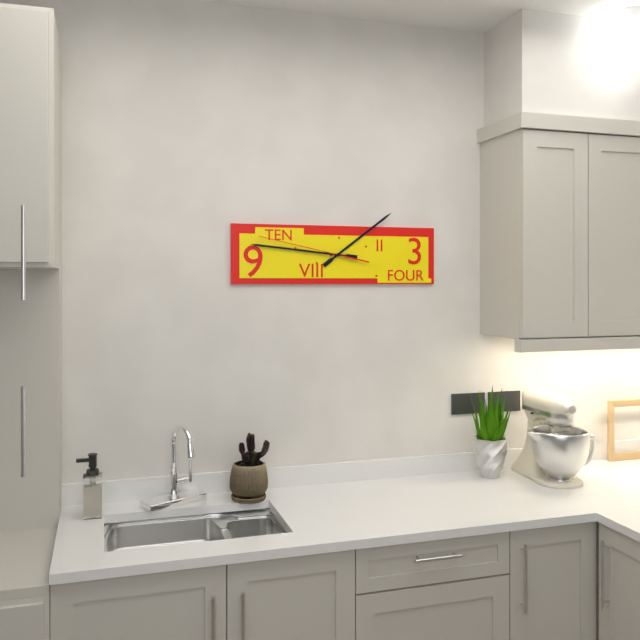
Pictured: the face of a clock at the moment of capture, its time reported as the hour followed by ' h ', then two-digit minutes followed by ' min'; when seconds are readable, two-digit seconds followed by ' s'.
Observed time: 1 h 46 min 47 s
